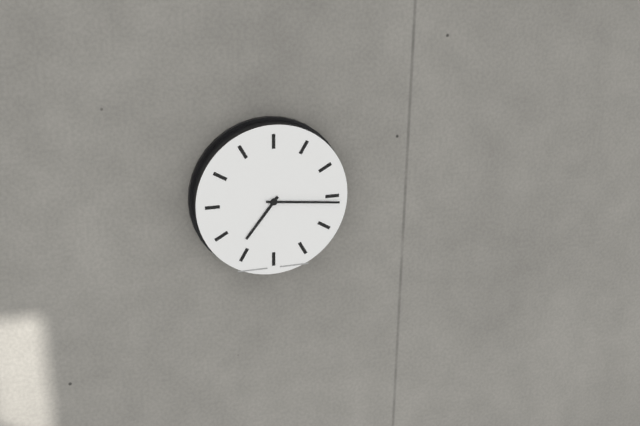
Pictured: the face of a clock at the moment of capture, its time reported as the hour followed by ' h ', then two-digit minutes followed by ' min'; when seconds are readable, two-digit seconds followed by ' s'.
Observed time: 7 h 16 min
